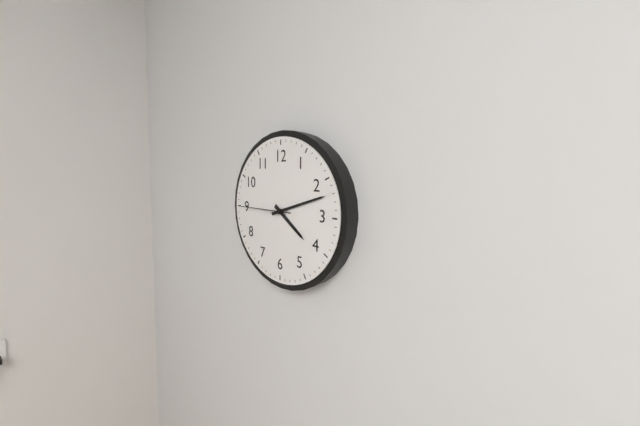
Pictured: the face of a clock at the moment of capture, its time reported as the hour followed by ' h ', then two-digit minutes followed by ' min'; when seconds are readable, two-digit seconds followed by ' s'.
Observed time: 4 h 12 min
